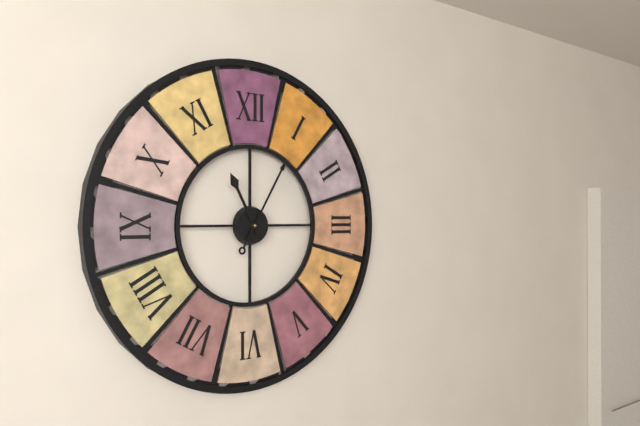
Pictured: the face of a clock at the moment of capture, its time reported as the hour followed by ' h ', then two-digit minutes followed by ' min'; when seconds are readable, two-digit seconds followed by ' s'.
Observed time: 11 h 05 min
